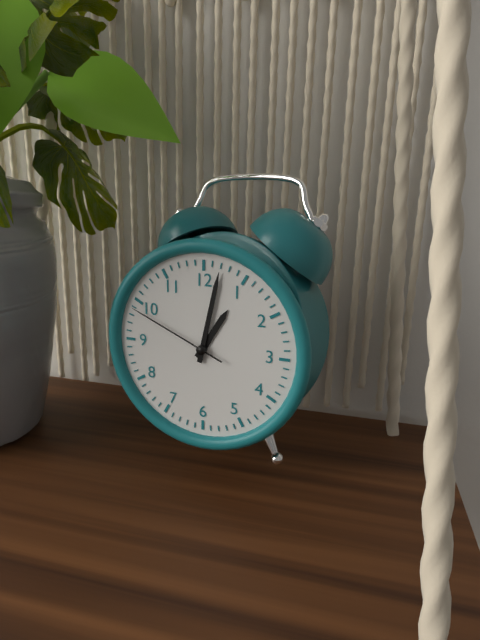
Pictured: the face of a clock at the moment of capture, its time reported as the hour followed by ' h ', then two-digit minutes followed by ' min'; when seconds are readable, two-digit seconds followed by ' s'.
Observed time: 1 h 02 min 49 s
